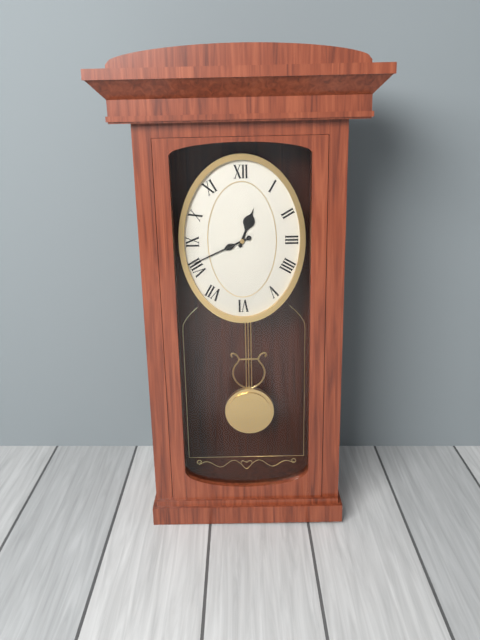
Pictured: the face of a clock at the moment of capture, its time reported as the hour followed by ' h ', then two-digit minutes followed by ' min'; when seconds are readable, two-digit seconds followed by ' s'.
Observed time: 12 h 41 min
